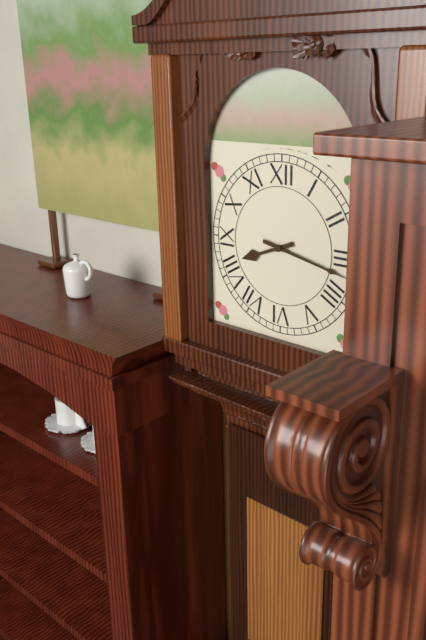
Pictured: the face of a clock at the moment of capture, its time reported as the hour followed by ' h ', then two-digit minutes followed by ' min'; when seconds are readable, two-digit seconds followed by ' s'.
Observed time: 8 h 17 min
